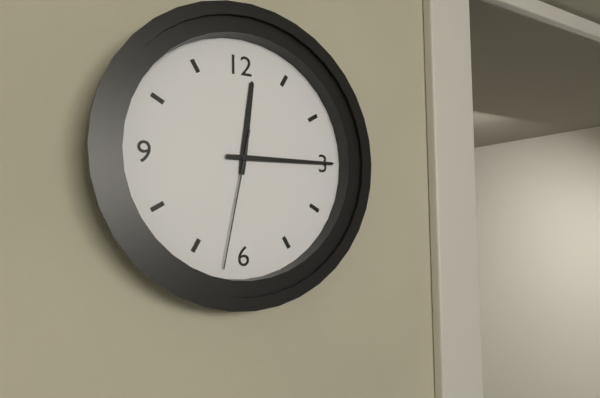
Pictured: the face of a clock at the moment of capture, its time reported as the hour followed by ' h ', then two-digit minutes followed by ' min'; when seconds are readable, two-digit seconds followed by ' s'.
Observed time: 12 h 15 min 32 s
